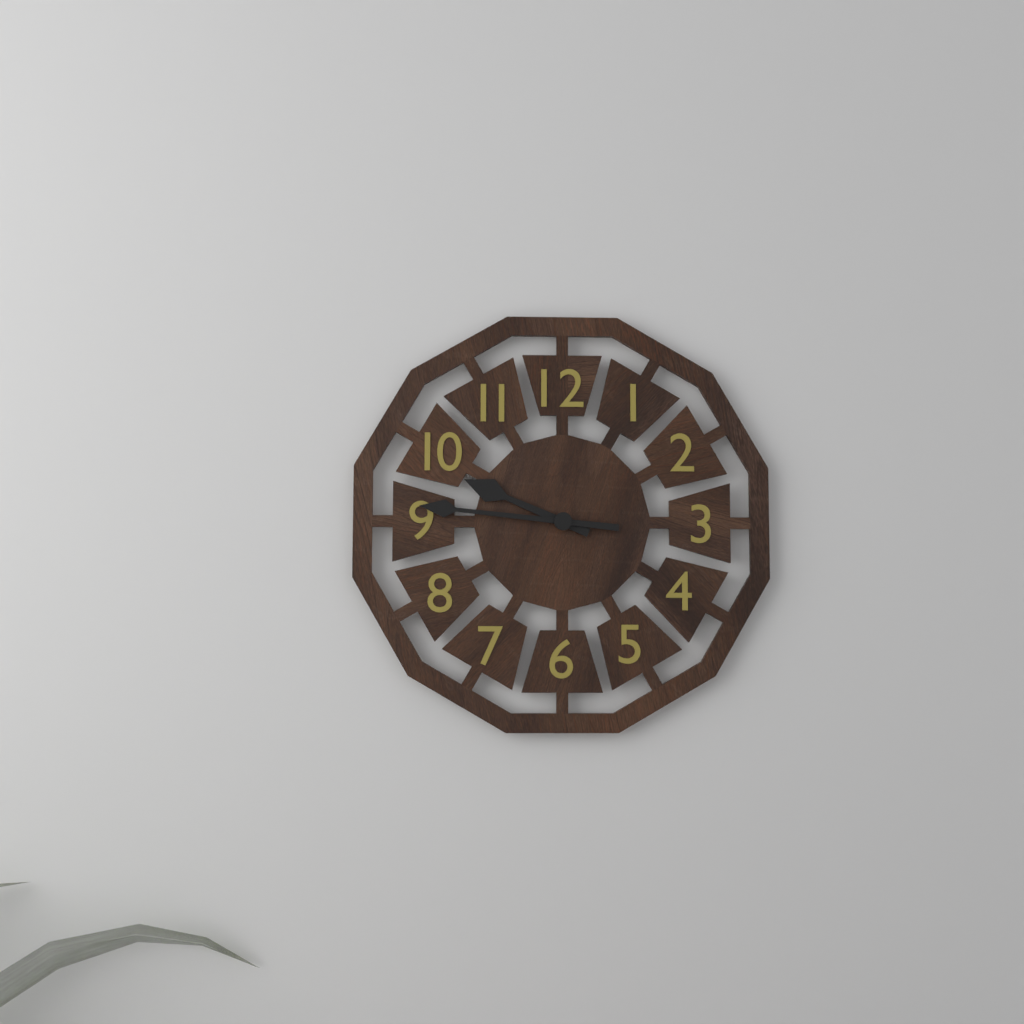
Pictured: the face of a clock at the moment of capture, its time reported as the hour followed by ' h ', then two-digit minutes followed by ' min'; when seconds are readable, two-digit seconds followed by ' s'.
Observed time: 9 h 46 min
